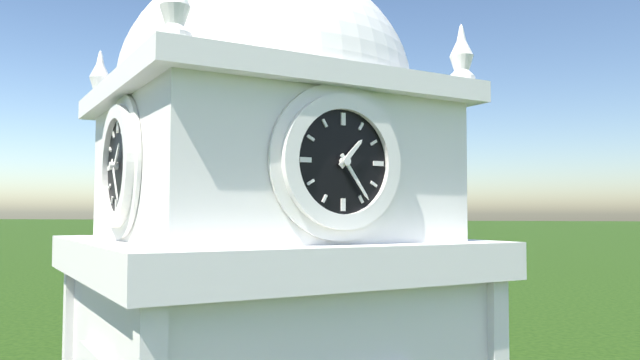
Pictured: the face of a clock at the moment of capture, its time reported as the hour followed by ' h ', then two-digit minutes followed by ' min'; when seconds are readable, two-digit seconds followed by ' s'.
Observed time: 1 h 24 min
